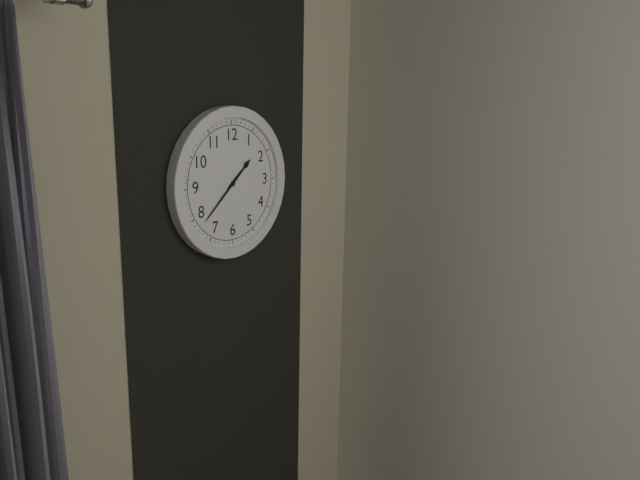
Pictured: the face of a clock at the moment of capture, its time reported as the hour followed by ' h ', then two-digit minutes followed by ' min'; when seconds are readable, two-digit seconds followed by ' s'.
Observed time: 1 h 38 min
